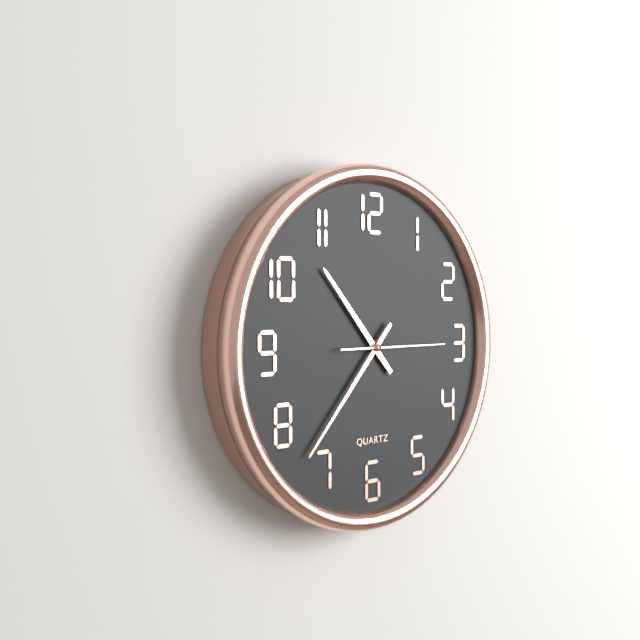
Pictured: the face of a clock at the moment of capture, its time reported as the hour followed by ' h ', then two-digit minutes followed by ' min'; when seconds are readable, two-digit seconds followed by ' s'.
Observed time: 10 h 37 min 15 s
